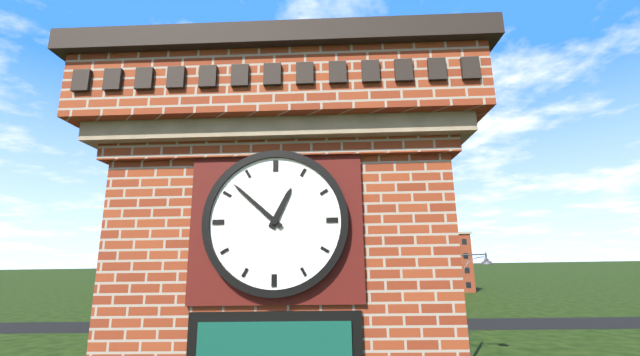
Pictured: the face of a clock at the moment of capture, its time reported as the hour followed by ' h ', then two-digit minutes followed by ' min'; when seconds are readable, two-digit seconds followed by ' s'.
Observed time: 12 h 52 min
